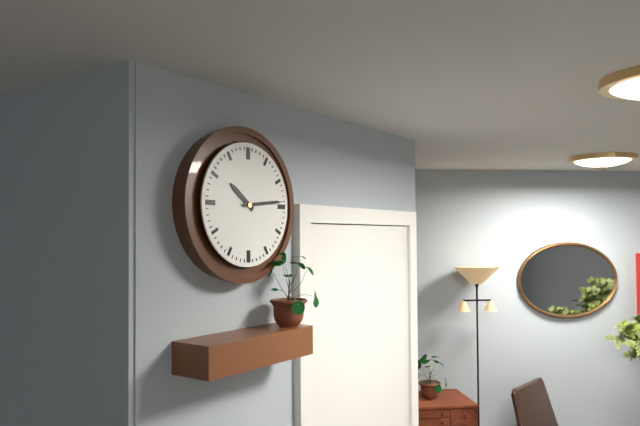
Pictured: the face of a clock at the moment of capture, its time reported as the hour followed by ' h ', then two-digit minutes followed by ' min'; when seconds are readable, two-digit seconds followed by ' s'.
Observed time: 10 h 14 min
